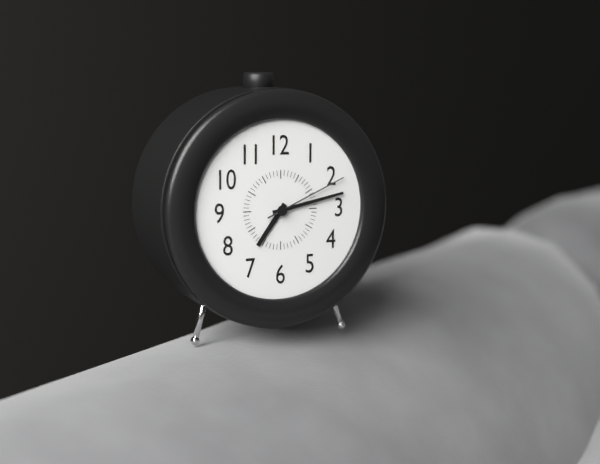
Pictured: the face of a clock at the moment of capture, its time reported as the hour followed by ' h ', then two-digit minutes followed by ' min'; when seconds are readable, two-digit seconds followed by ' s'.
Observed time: 7 h 13 min 11 s
